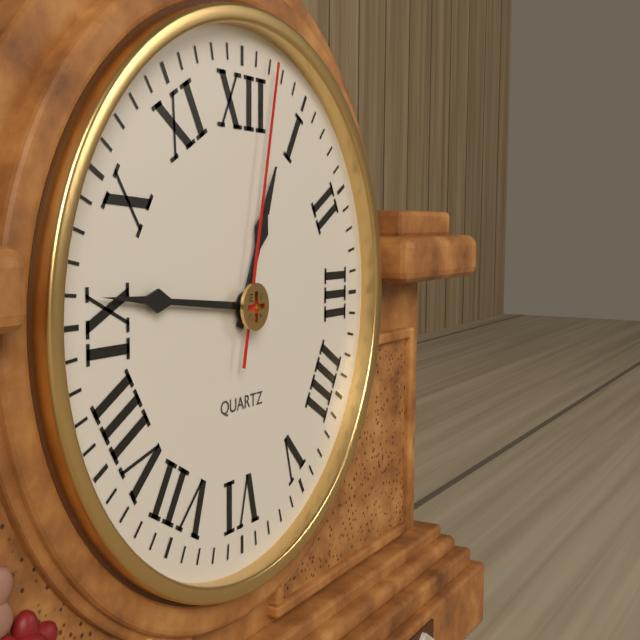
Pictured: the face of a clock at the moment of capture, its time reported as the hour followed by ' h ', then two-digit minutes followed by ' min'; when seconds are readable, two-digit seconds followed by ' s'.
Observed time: 12 h 46 min 02 s
